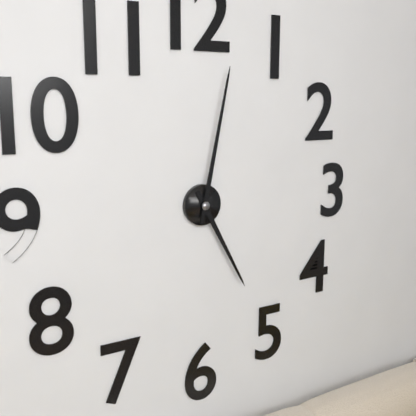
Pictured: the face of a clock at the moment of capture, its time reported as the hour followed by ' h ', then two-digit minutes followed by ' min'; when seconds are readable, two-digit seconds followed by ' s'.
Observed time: 5 h 02 min
